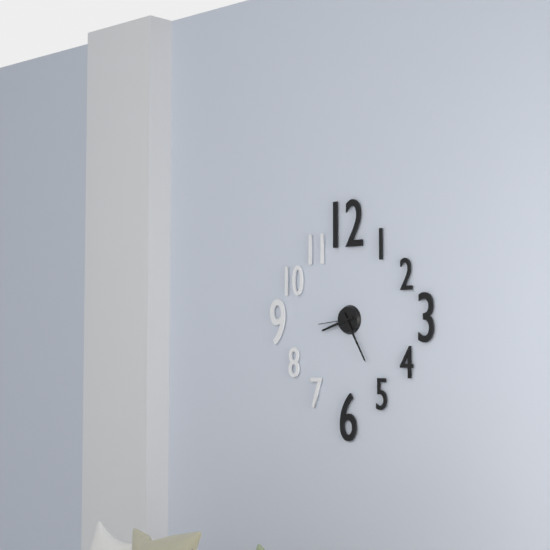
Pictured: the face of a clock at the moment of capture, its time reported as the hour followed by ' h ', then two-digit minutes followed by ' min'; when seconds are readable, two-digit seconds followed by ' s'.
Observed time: 8 h 25 min
